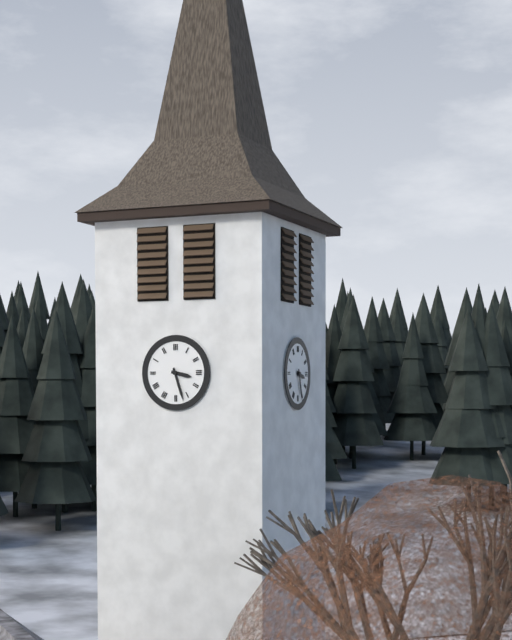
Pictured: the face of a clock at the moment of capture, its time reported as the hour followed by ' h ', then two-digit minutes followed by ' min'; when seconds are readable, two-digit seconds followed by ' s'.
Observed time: 3 h 27 min
